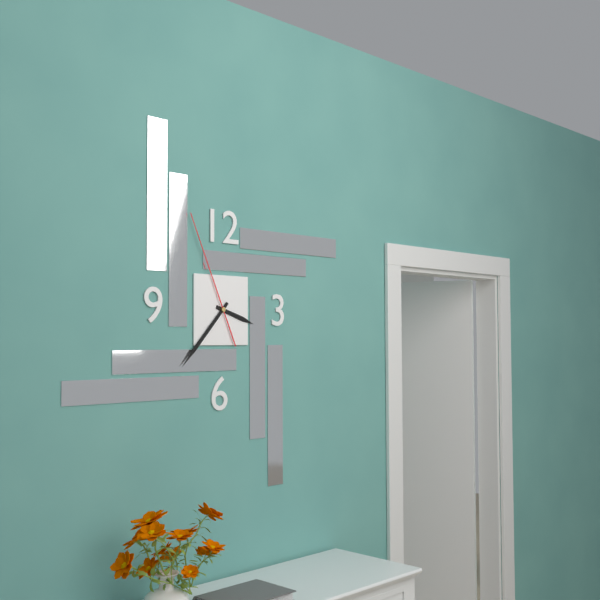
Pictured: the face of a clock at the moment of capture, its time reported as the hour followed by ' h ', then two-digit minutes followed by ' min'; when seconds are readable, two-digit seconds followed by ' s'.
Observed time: 3 h 37 min 56 s
